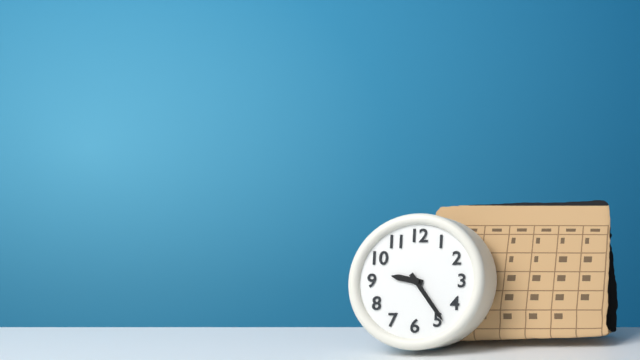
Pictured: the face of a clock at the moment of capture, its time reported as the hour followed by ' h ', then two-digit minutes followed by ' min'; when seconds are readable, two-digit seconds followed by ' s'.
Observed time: 9 h 24 min
